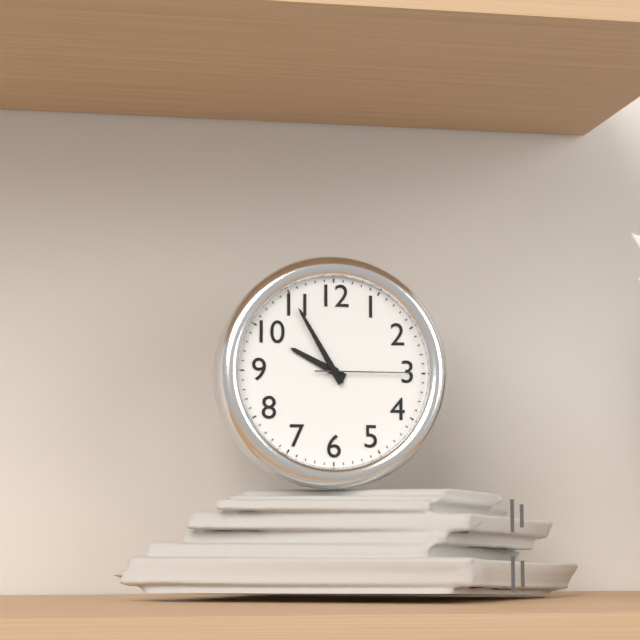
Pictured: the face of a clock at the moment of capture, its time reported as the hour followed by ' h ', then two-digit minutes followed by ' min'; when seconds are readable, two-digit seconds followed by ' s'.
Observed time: 9 h 55 min 15 s
